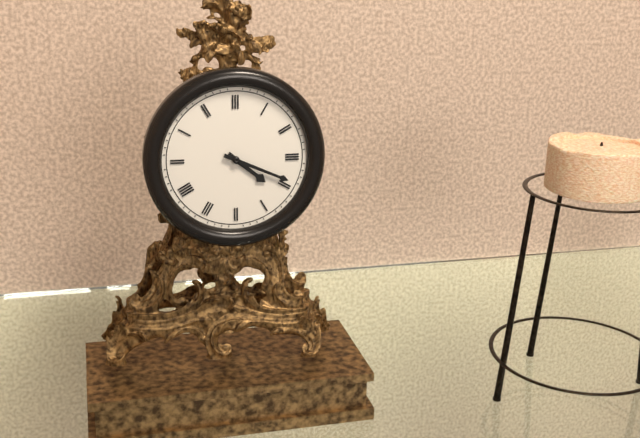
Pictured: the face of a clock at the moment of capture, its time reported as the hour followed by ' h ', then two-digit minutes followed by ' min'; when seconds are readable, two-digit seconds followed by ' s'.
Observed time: 4 h 19 min
